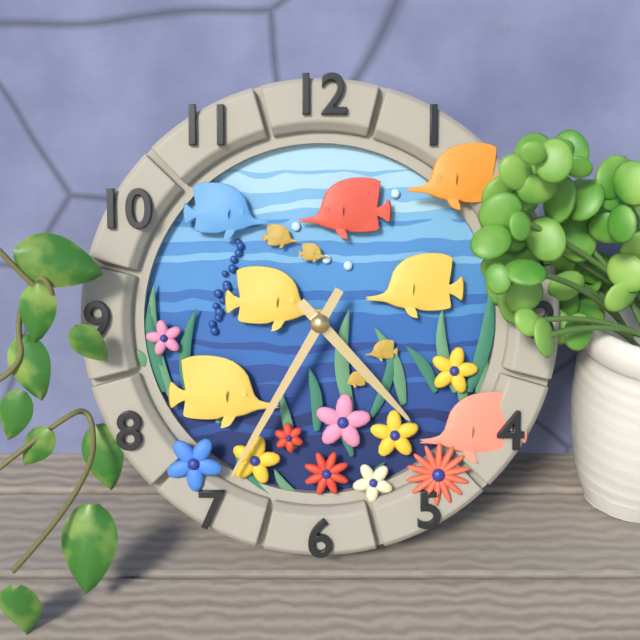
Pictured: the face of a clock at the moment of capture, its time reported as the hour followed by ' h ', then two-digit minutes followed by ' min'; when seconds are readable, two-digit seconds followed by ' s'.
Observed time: 4 h 35 min
